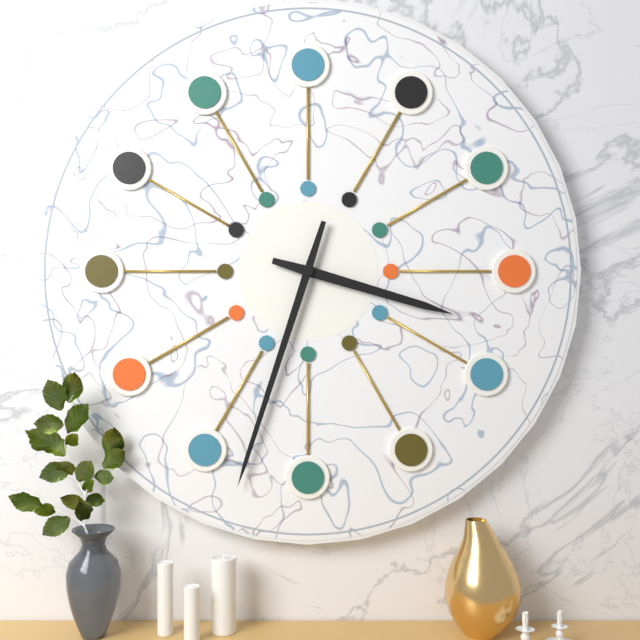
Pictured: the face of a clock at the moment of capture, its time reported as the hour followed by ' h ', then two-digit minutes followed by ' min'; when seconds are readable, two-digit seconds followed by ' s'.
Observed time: 3 h 33 min
